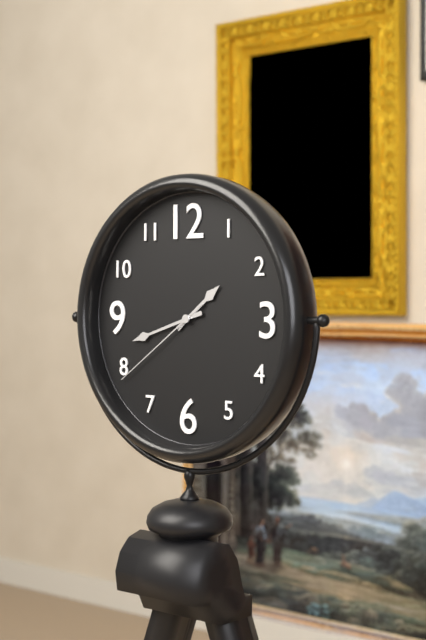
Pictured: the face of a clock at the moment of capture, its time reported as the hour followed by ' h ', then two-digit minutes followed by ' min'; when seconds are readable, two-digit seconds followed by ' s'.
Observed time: 1 h 42 min 39 s
